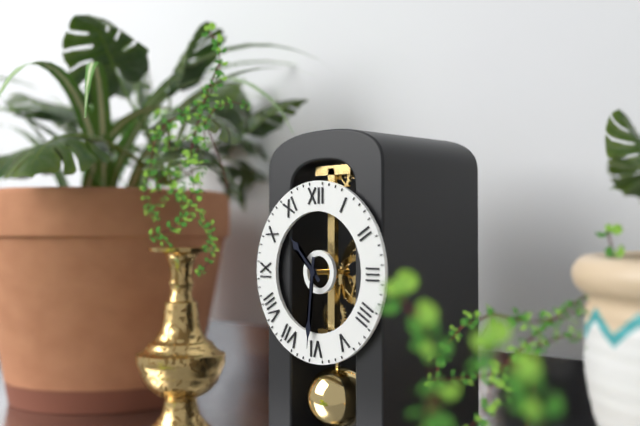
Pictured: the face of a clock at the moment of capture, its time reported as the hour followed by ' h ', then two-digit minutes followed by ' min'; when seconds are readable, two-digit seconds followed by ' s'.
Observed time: 10 h 31 min
